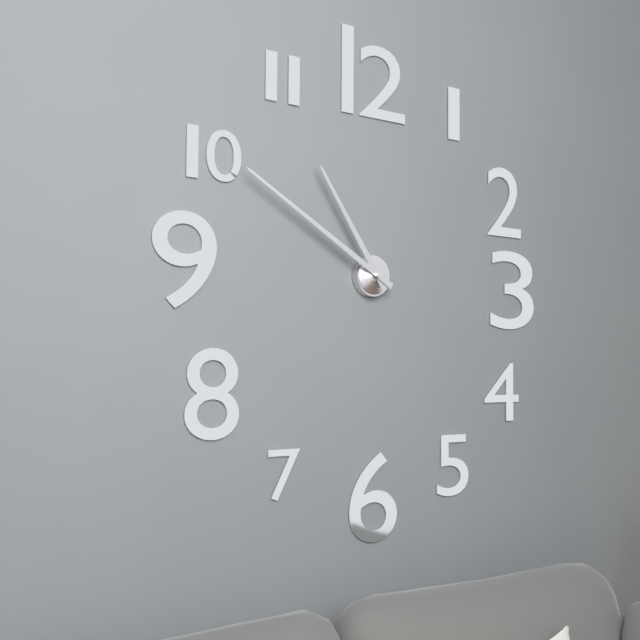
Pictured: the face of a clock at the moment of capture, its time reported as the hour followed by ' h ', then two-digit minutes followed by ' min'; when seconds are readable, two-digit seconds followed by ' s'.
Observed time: 10 h 50 min
